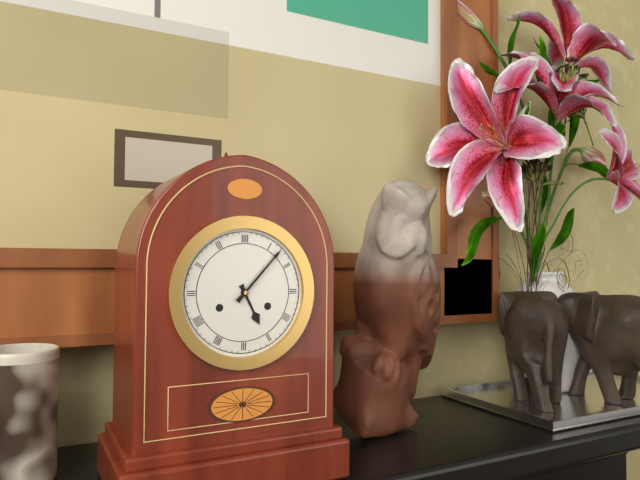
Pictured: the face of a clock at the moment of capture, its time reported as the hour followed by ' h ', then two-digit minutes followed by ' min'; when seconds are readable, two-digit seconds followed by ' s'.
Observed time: 5 h 07 min
